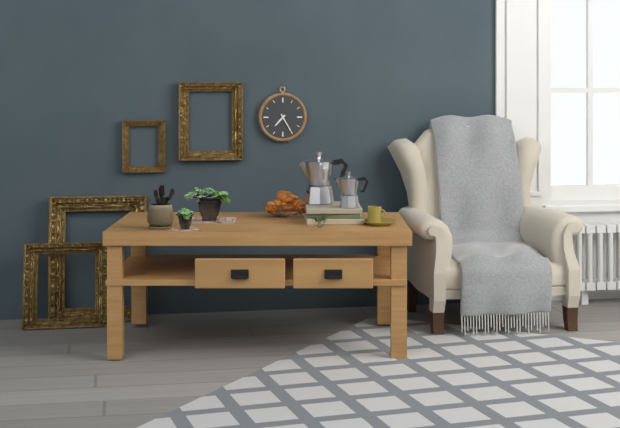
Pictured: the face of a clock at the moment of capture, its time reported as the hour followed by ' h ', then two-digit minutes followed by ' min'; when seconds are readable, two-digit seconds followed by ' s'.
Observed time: 7 h 25 min
